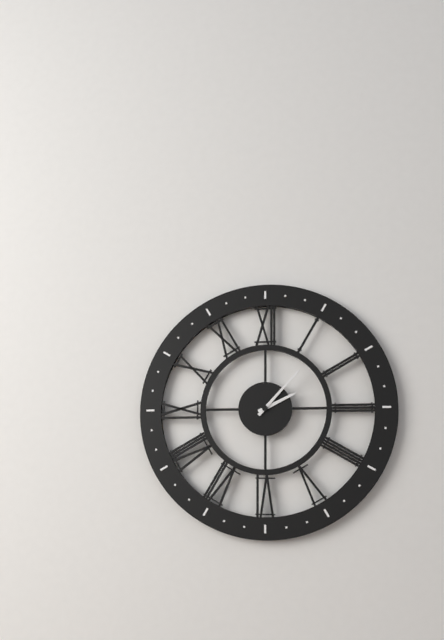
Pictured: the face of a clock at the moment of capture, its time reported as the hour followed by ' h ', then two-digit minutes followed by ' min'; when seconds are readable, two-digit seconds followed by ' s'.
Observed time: 2 h 07 min
